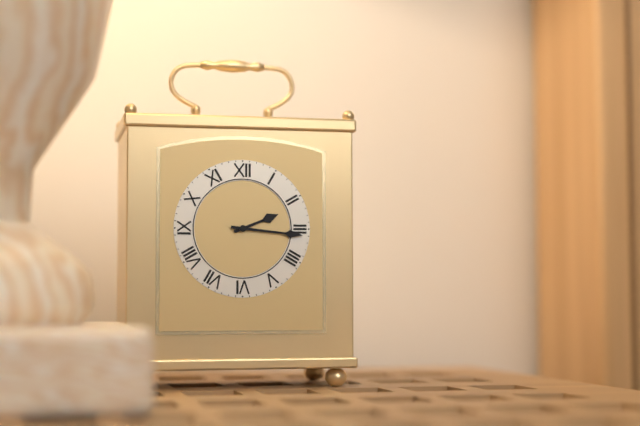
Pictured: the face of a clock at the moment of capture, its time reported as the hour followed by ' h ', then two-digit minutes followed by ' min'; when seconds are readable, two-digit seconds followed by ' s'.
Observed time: 2 h 16 min
